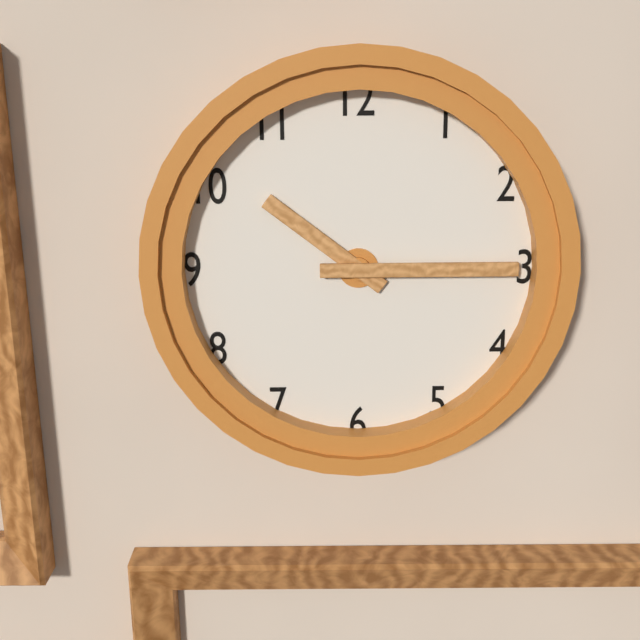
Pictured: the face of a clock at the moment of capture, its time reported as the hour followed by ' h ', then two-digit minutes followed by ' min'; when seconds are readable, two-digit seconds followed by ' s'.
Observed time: 10 h 15 min
